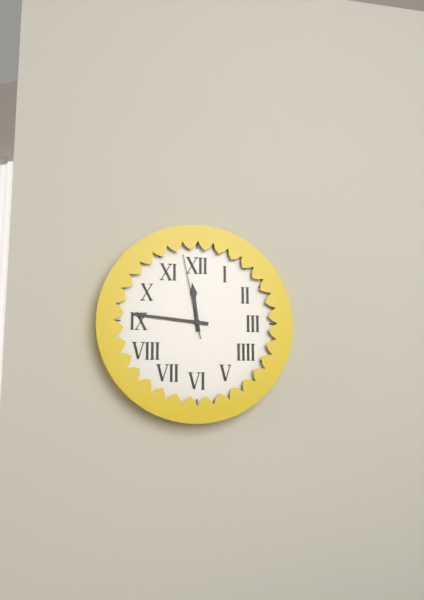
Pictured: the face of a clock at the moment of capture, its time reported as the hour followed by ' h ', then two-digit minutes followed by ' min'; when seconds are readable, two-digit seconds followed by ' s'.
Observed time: 11 h 46 min 58 s
